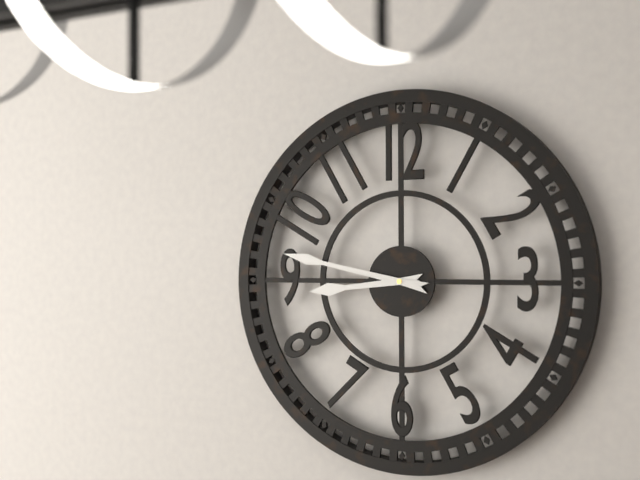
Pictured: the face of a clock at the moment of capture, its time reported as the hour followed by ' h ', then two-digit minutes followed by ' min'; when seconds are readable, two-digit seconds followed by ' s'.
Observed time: 8 h 47 min
